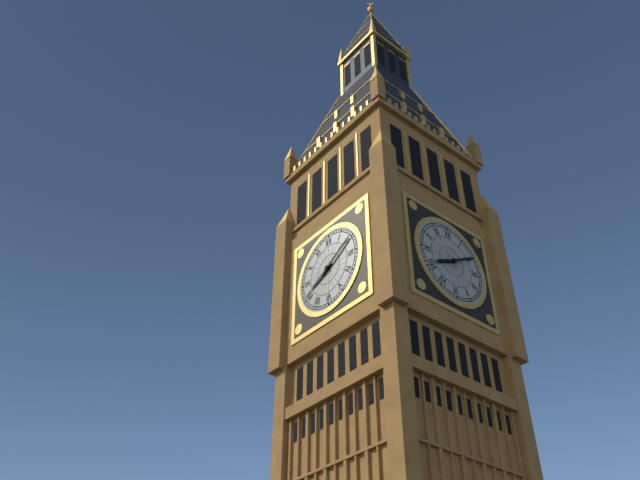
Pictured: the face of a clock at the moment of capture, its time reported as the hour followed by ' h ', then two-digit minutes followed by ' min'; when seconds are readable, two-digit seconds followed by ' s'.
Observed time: 8 h 10 min
